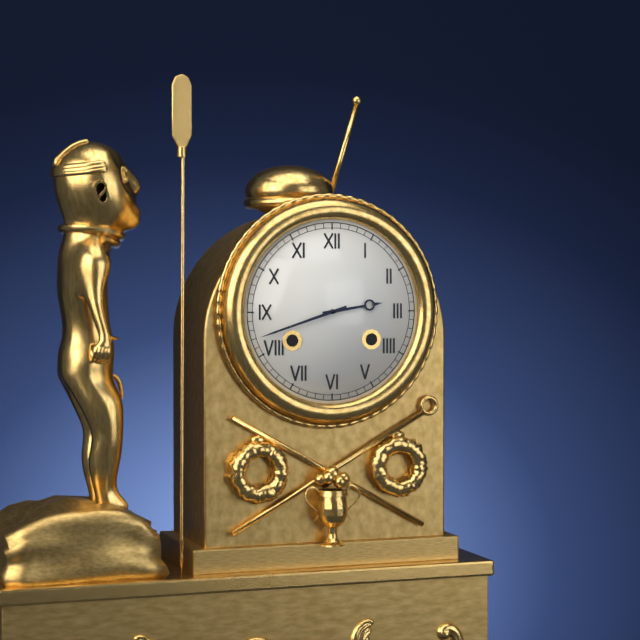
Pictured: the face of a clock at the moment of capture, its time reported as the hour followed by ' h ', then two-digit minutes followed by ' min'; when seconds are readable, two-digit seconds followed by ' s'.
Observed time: 2 h 42 min
